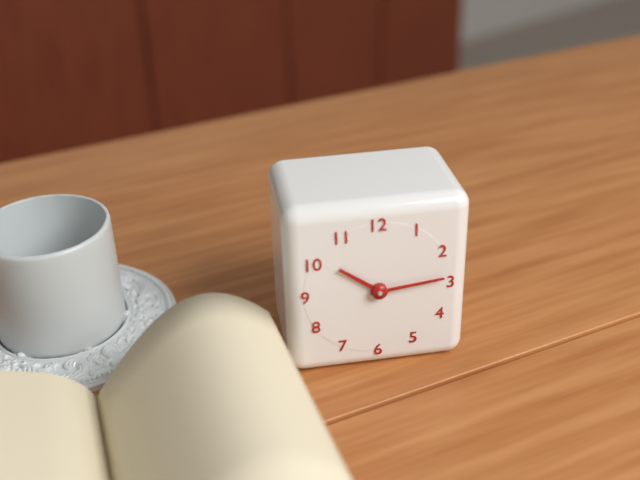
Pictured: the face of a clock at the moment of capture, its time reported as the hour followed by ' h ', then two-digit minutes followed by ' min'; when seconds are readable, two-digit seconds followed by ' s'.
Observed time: 10 h 14 min
